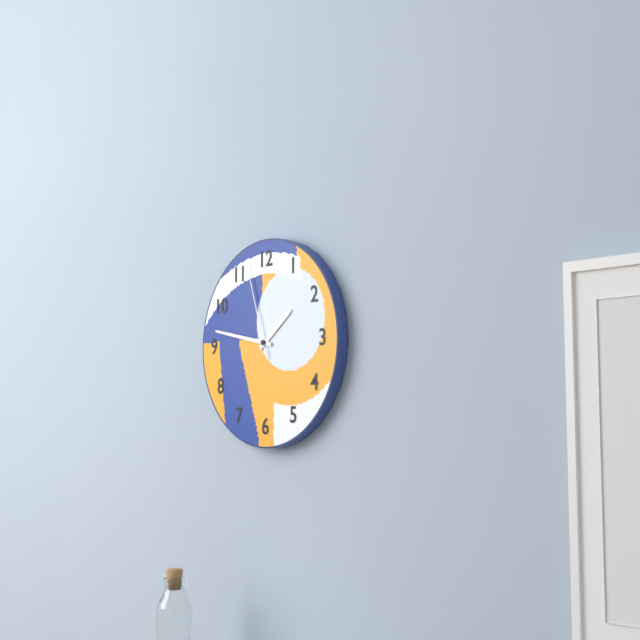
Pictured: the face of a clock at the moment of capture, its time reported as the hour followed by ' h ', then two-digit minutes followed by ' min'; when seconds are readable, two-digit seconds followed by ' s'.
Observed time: 1 h 47 min 57 s
